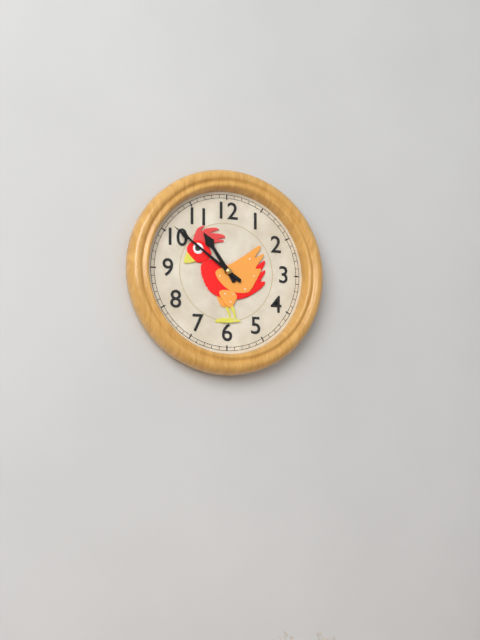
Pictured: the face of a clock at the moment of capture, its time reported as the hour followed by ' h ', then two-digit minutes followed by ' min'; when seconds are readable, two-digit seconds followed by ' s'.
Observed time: 10 h 51 min
